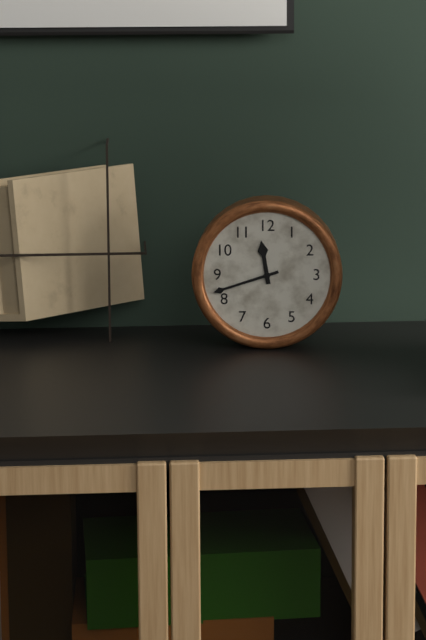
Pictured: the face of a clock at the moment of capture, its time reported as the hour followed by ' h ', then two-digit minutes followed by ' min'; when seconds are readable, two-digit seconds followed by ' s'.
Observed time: 11 h 42 min
